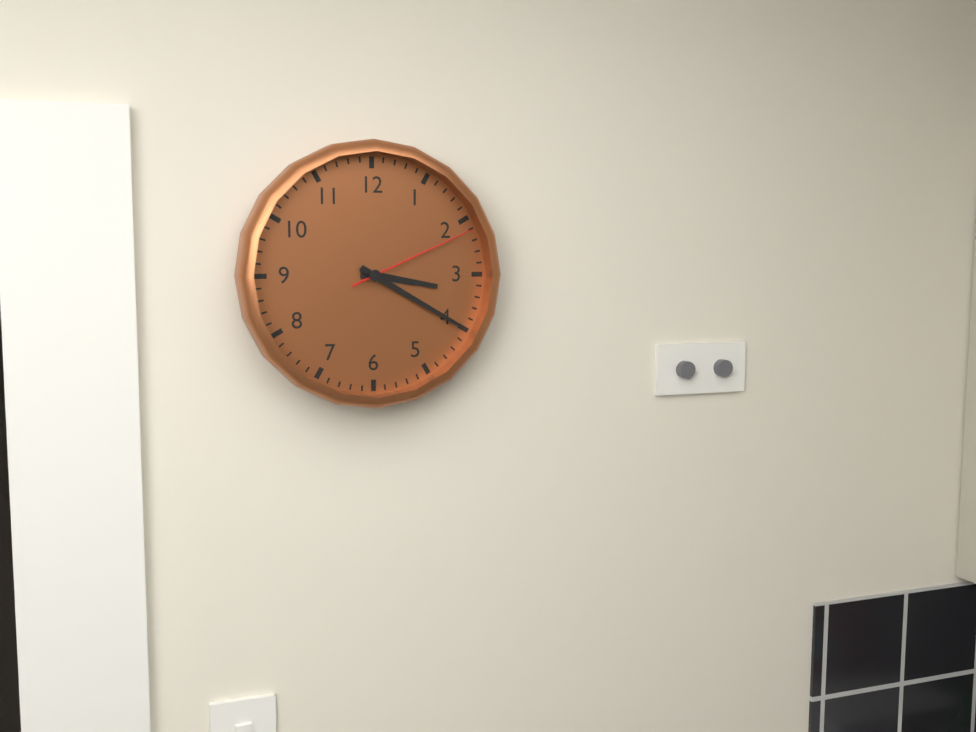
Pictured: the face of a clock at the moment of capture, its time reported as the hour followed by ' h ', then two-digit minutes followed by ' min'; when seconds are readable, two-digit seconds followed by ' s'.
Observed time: 3 h 20 min 11 s
